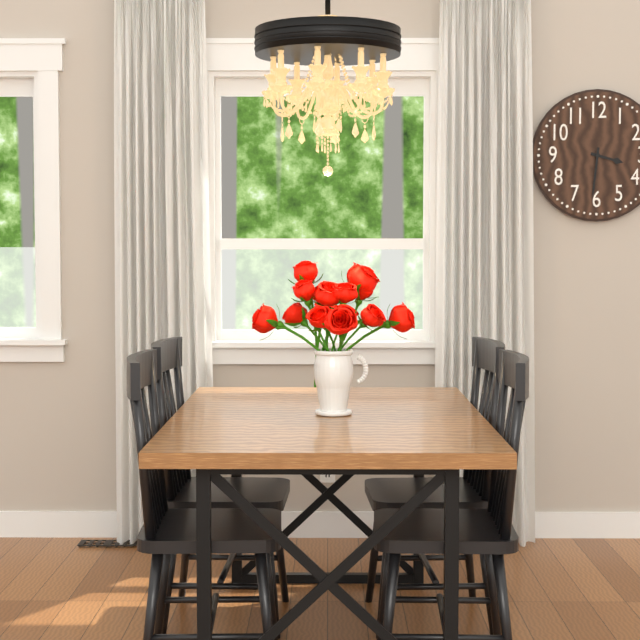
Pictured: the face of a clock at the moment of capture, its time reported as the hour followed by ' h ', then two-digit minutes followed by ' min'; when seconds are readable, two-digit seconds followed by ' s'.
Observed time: 3 h 31 min
